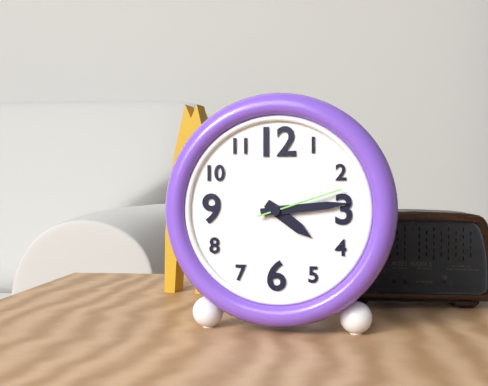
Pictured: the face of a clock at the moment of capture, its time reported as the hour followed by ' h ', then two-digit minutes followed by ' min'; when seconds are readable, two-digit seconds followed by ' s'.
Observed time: 4 h 14 min 12 s
